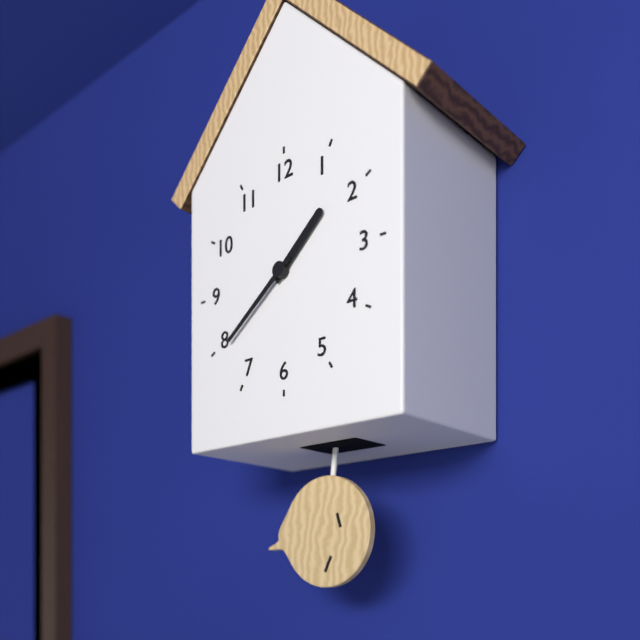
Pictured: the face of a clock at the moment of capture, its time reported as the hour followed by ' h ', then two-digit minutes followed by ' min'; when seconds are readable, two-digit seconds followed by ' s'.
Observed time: 1 h 39 min
